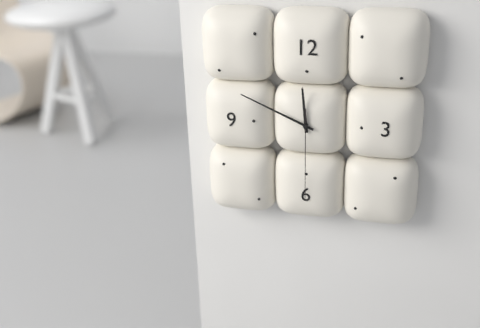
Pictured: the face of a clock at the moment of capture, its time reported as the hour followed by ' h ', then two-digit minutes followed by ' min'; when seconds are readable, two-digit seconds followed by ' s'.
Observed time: 11 h 49 min 30 s
